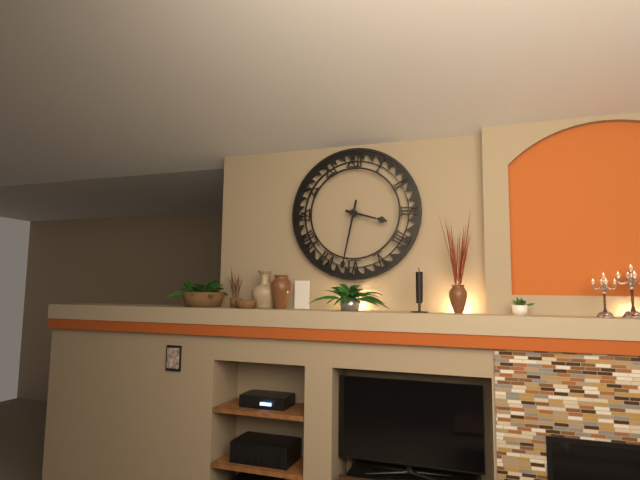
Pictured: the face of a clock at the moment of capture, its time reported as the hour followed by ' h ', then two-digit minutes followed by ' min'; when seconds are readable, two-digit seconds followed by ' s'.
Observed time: 3 h 32 min
